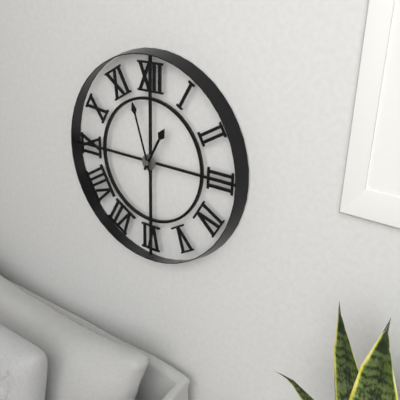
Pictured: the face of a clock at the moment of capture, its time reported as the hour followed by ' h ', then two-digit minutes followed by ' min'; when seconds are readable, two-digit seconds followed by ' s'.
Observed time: 12 h 57 min
